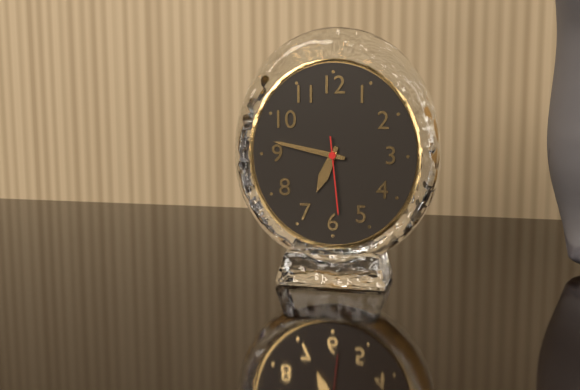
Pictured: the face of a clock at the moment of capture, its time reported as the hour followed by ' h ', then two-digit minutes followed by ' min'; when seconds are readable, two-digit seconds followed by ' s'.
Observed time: 6 h 47 min 29 s
